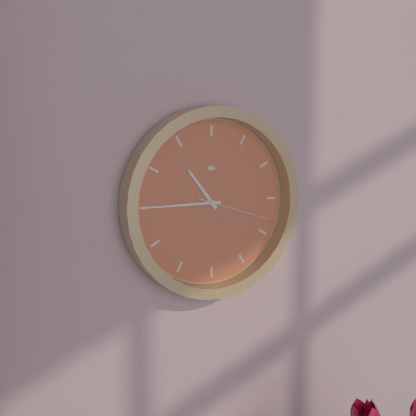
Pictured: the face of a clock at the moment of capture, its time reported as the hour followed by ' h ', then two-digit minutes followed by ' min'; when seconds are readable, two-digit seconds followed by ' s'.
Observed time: 10 h 45 min 18 s
